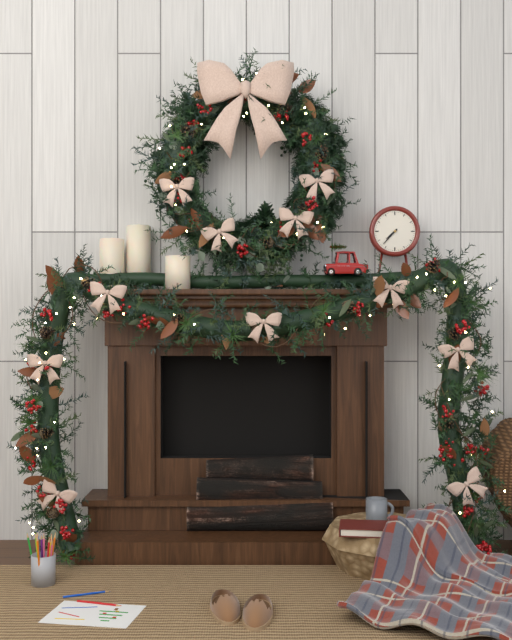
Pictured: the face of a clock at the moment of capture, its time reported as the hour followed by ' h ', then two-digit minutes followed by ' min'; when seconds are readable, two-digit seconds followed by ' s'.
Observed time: 7 h 37 min
